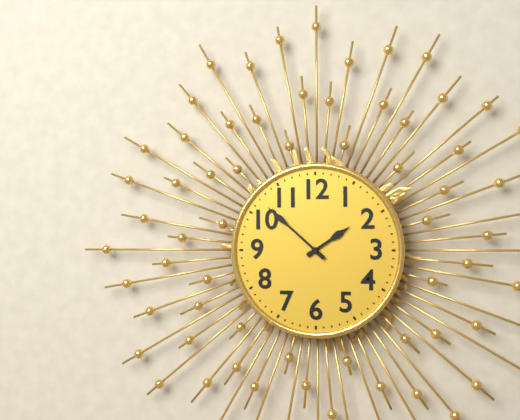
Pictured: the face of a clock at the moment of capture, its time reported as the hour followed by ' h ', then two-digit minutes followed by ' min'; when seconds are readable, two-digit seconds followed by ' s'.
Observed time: 1 h 52 min
